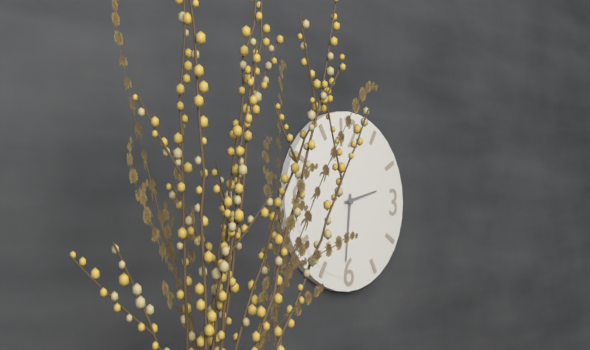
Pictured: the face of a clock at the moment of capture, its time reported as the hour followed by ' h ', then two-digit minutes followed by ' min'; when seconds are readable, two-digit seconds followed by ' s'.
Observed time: 2 h 31 min
